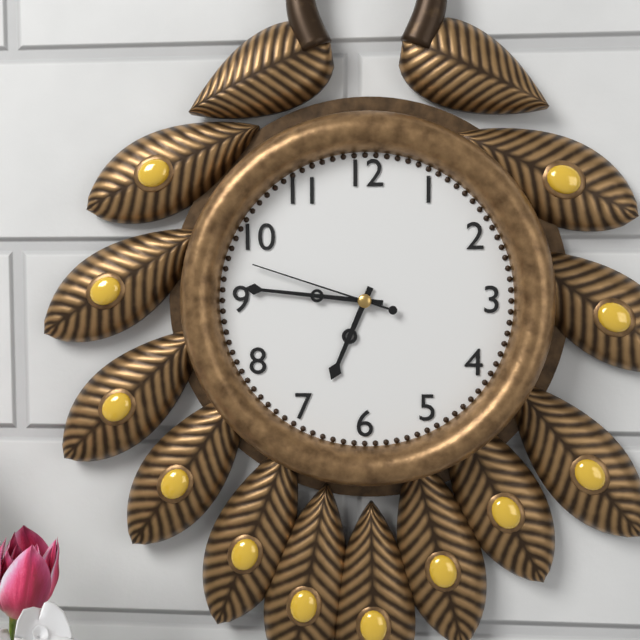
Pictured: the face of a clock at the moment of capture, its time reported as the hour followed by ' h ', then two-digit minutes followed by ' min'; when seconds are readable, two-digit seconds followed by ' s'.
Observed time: 6 h 46 min 48 s
